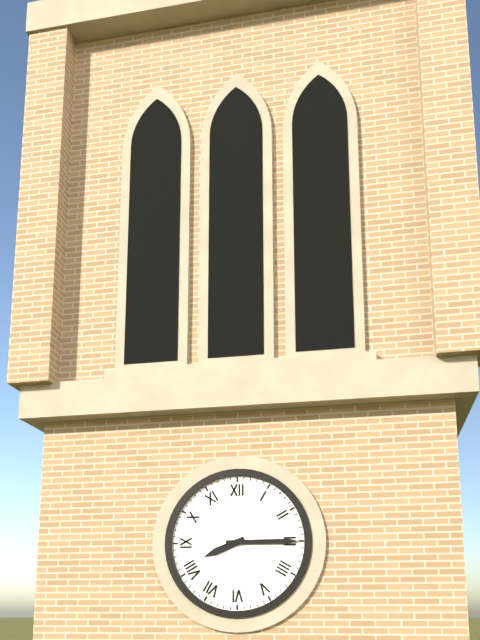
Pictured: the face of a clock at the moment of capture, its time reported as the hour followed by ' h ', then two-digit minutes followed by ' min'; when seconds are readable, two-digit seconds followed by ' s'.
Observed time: 8 h 15 min
